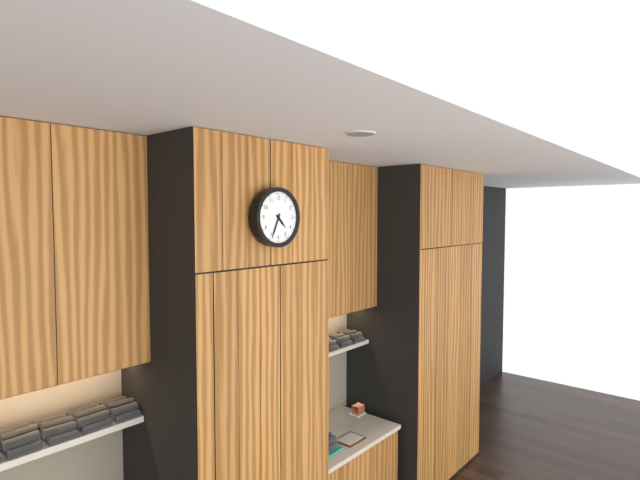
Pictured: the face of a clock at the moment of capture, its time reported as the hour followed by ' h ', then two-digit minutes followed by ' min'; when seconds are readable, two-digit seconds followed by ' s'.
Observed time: 4 h 34 min
